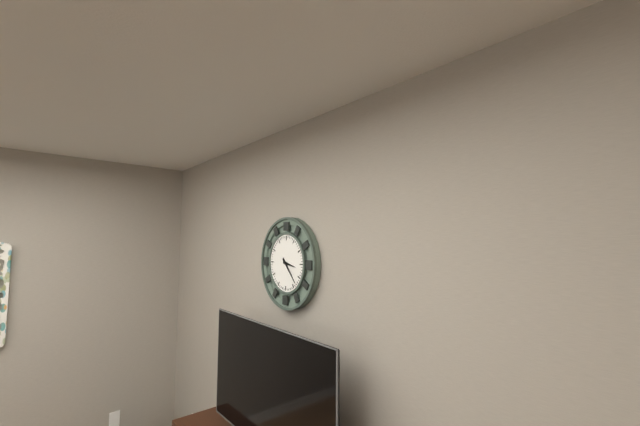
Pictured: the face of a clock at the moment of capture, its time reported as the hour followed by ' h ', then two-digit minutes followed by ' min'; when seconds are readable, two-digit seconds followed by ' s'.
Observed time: 3 h 23 min
